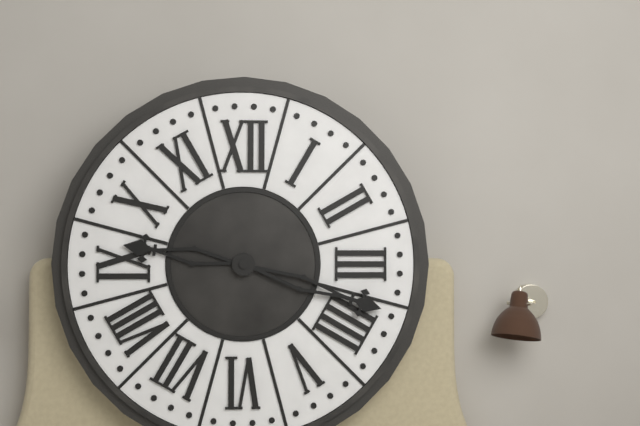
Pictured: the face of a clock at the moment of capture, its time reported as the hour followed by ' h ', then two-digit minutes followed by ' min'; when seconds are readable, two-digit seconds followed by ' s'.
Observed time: 9 h 18 min
